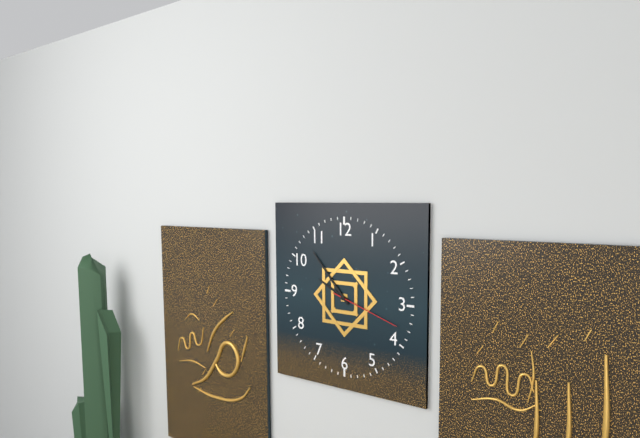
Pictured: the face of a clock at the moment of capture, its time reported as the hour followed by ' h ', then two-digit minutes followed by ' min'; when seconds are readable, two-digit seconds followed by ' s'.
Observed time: 9 h 53 min 18 s
